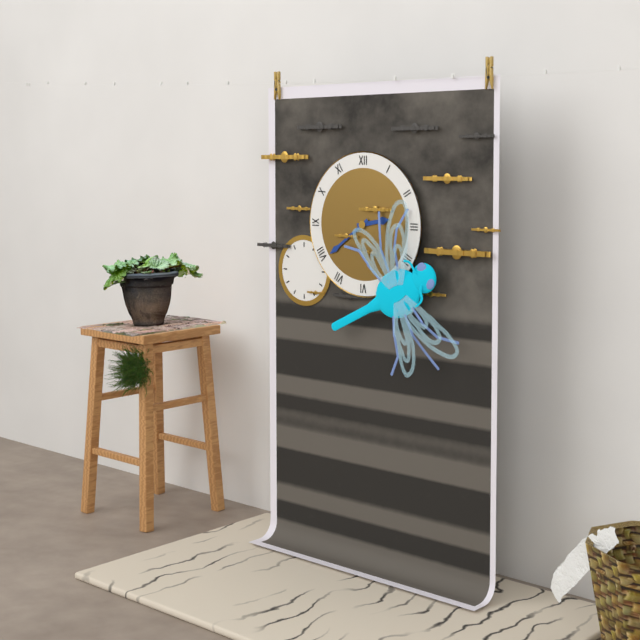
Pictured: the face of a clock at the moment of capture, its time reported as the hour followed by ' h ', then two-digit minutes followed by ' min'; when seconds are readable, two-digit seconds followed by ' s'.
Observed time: 2 h 39 min
